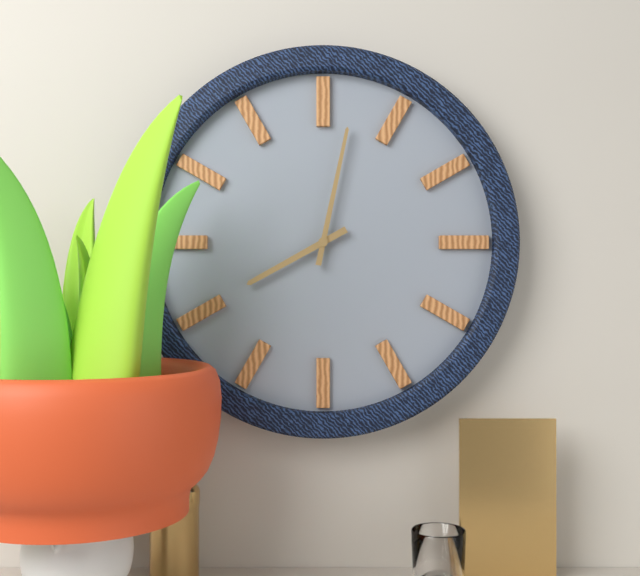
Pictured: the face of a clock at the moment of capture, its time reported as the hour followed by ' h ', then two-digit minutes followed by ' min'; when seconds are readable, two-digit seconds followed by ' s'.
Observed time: 8 h 02 min
